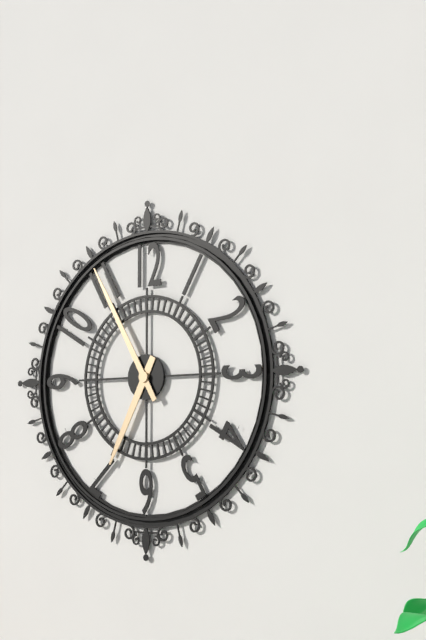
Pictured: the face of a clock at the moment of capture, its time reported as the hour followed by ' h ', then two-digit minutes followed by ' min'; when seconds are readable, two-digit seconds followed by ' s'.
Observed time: 6 h 55 min
